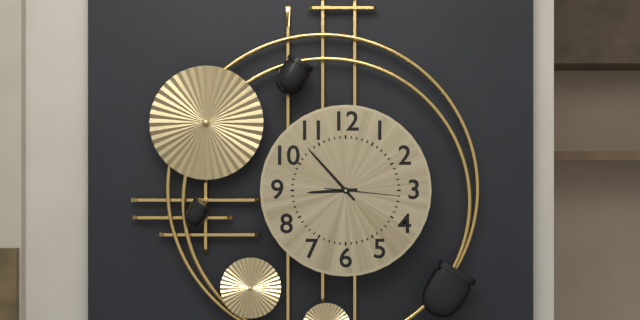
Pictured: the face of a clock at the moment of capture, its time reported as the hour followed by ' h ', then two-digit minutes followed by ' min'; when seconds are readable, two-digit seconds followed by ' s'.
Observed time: 8 h 53 min 16 s
